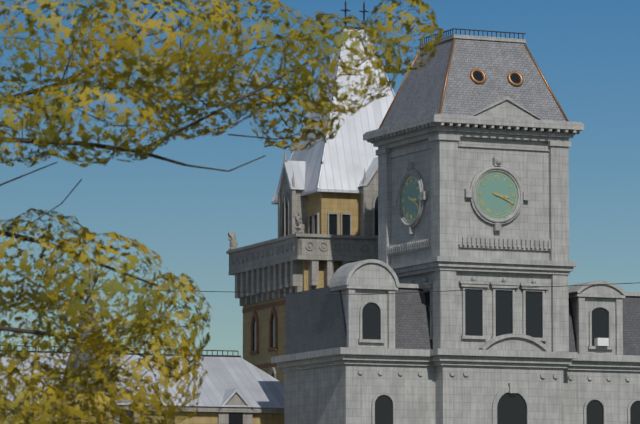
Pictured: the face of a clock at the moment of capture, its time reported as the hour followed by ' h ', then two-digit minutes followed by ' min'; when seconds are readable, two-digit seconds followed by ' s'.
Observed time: 3 h 19 min
